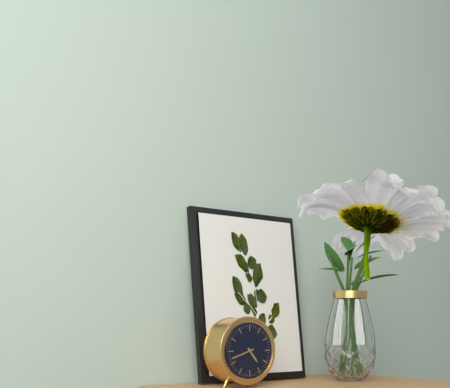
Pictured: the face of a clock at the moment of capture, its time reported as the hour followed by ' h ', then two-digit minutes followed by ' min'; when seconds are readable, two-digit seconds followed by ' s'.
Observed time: 4 h 42 min
